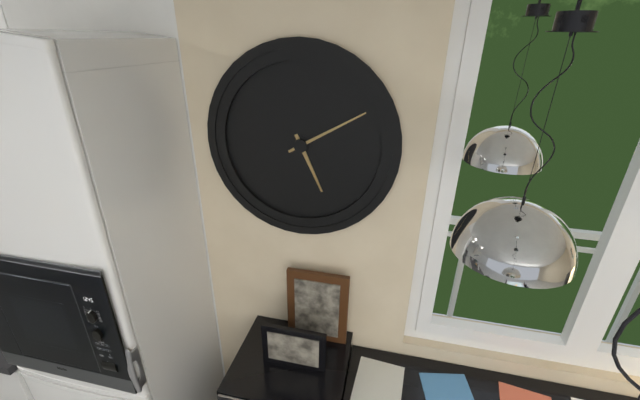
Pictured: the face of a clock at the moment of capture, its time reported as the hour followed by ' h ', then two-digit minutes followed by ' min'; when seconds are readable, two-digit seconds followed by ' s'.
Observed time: 5 h 10 min
